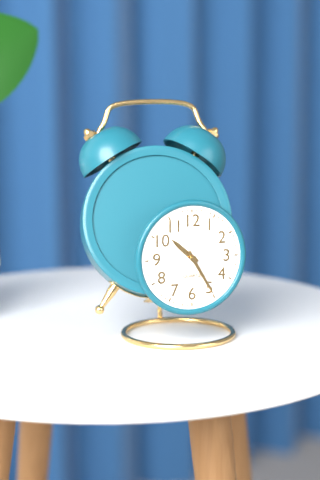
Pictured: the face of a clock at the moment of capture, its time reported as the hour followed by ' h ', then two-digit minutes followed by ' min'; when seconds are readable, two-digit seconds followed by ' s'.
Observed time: 10 h 25 min
